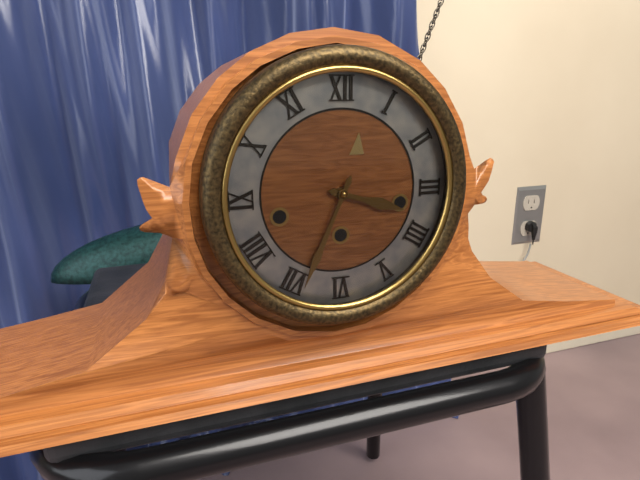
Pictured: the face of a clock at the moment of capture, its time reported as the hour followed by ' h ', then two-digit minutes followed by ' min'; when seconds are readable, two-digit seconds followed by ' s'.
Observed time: 3 h 34 min
